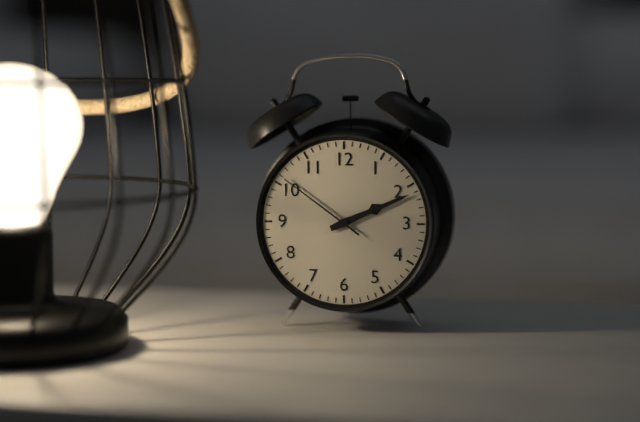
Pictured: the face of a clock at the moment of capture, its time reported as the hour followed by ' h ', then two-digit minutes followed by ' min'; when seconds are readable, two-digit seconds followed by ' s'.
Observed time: 2 h 11 min 51 s
